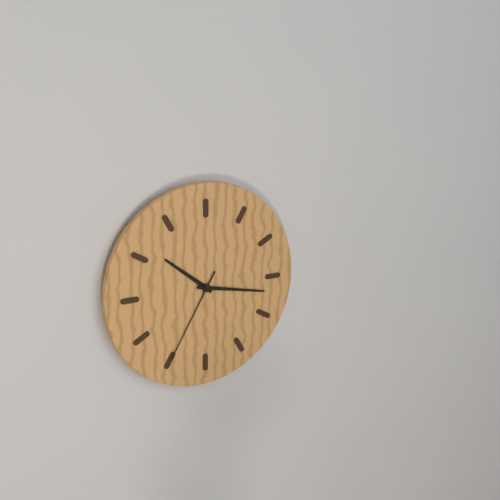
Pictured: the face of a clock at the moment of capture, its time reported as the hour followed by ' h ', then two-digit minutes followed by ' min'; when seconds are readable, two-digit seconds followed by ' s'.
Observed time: 10 h 17 min 35 s
